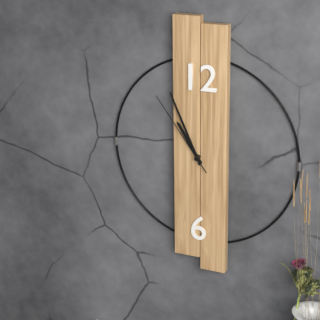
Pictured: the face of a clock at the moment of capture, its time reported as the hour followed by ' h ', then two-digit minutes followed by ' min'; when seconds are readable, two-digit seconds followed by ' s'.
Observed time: 10 h 56 min 54 s
